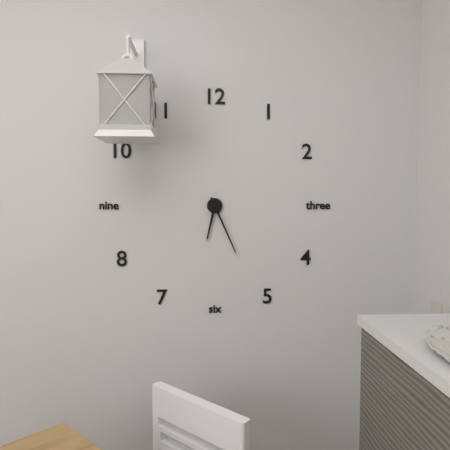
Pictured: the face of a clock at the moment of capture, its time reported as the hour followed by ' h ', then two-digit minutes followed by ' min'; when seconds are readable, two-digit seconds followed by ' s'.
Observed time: 6 h 26 min
